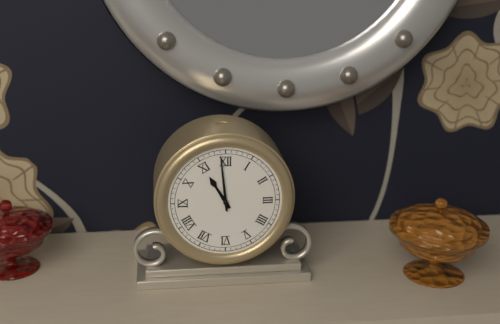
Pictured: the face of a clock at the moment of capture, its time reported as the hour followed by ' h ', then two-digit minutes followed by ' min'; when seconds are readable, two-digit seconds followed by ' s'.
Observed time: 10 h 59 min
